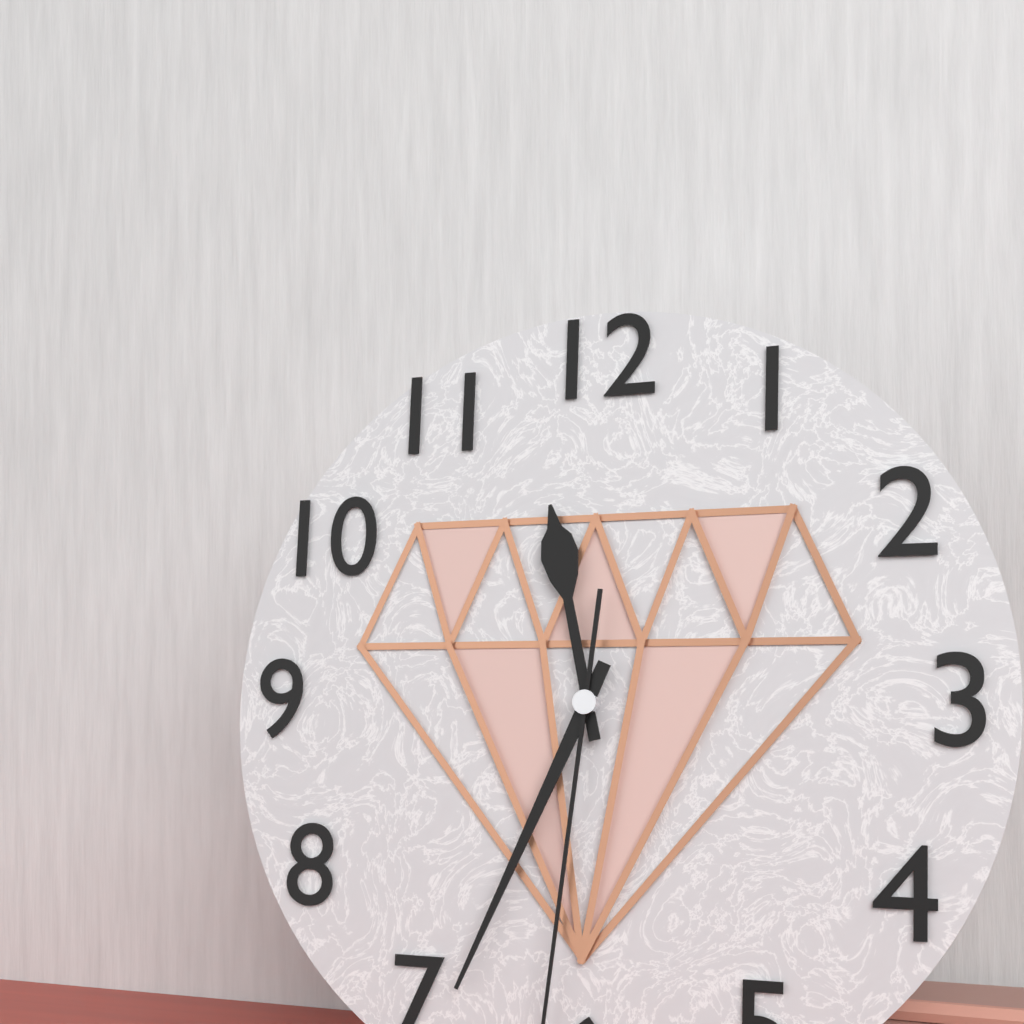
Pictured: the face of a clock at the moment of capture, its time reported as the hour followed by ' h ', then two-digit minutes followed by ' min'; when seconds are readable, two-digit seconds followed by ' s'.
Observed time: 11 h 34 min
